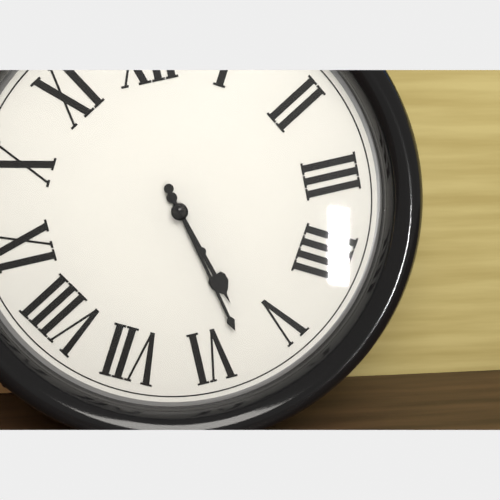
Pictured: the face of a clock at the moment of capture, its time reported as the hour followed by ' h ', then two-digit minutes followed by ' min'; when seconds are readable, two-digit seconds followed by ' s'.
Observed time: 5 h 28 min
